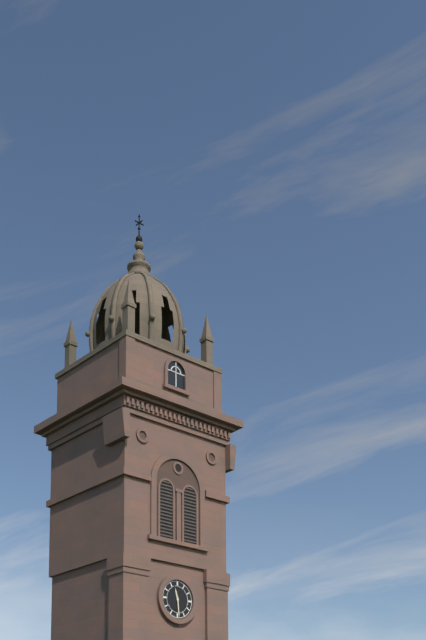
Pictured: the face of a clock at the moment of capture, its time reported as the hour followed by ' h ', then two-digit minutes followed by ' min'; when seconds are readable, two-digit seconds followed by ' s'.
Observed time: 11 h 29 min
